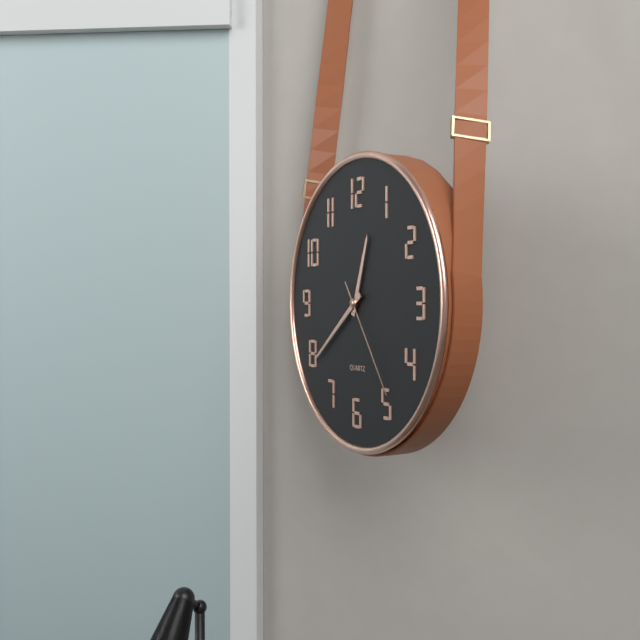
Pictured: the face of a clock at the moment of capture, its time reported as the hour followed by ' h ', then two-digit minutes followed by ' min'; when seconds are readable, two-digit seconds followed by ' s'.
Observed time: 12 h 39 min 24 s
